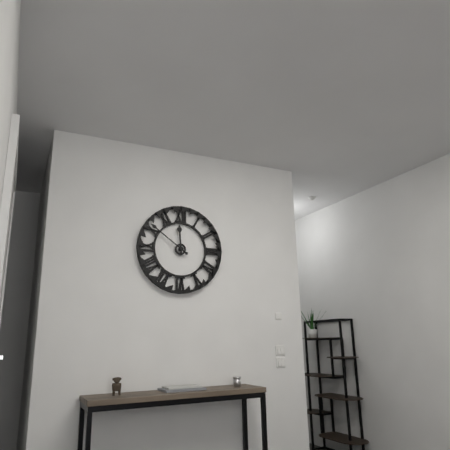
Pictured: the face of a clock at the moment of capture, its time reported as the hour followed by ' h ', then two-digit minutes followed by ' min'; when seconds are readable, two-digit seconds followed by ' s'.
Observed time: 11 h 51 min
